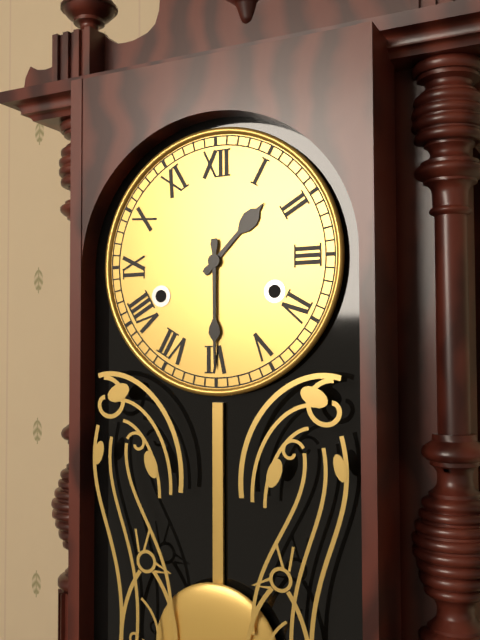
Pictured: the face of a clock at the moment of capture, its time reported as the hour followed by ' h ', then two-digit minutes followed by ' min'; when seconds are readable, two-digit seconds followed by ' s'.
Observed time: 1 h 30 min
